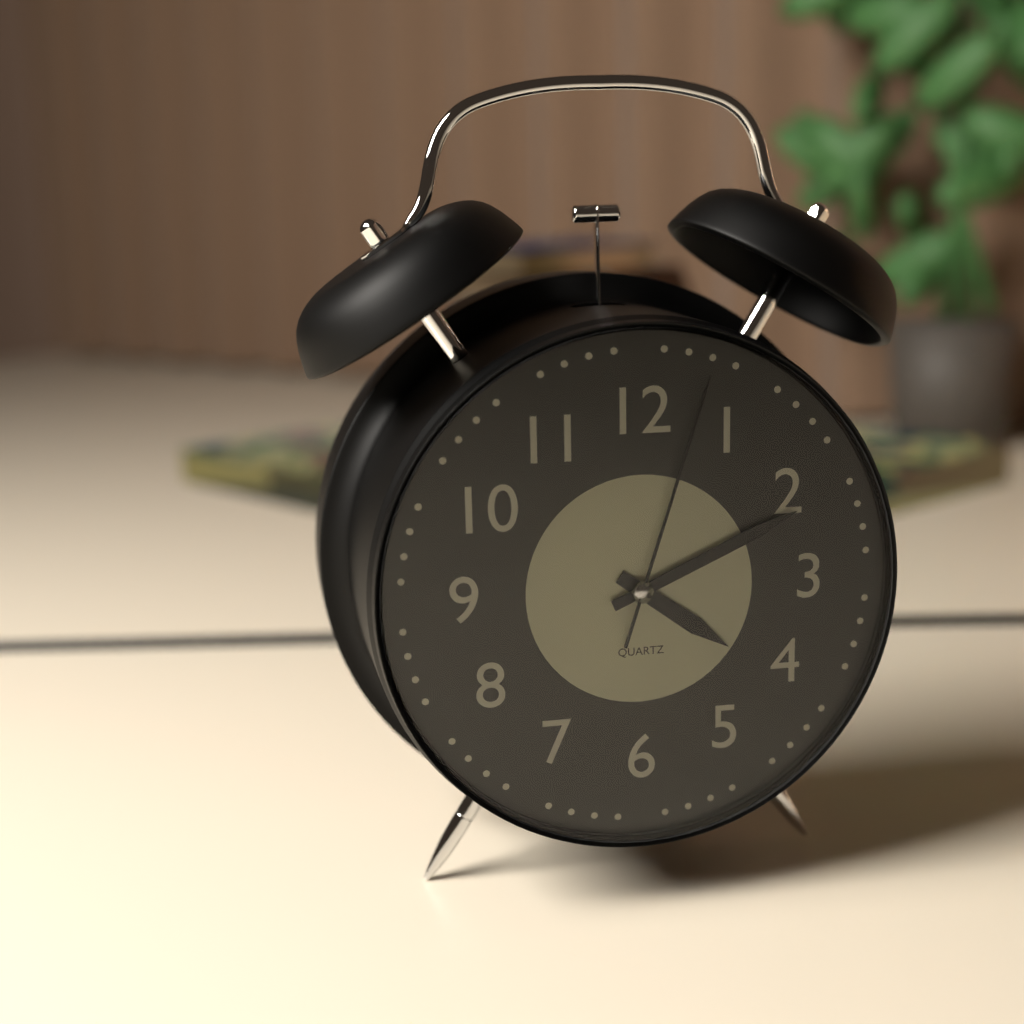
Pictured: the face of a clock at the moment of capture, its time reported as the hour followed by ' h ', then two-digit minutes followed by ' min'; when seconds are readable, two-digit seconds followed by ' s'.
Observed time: 4 h 11 min 03 s
